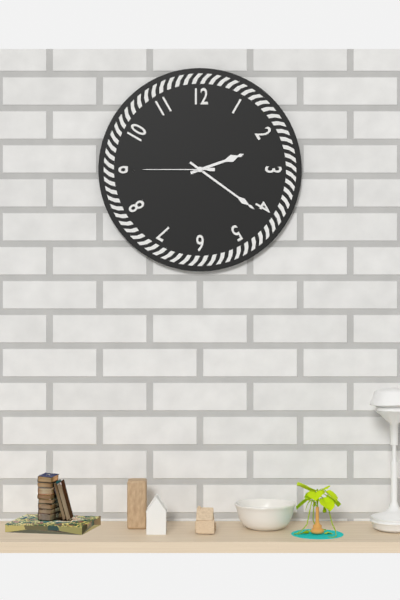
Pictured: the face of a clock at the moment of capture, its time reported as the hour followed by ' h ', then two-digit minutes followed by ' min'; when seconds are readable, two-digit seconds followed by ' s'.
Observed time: 2 h 21 min 45 s
